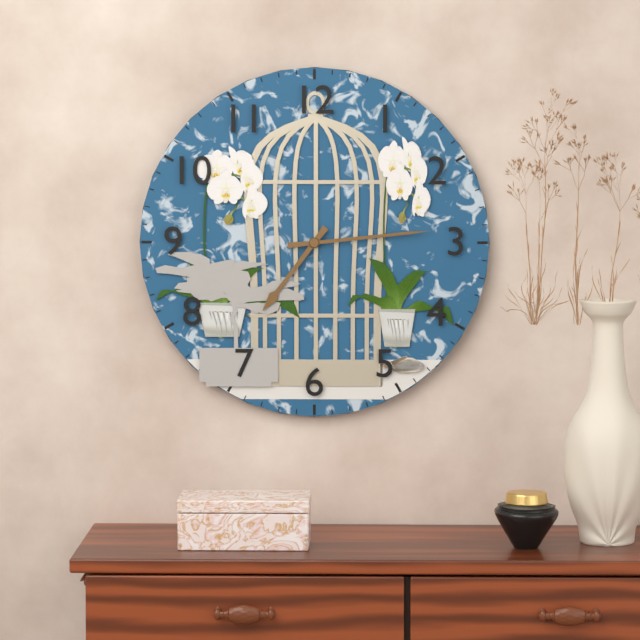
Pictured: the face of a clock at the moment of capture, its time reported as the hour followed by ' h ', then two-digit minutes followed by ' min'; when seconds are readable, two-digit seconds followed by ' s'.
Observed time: 7 h 14 min
